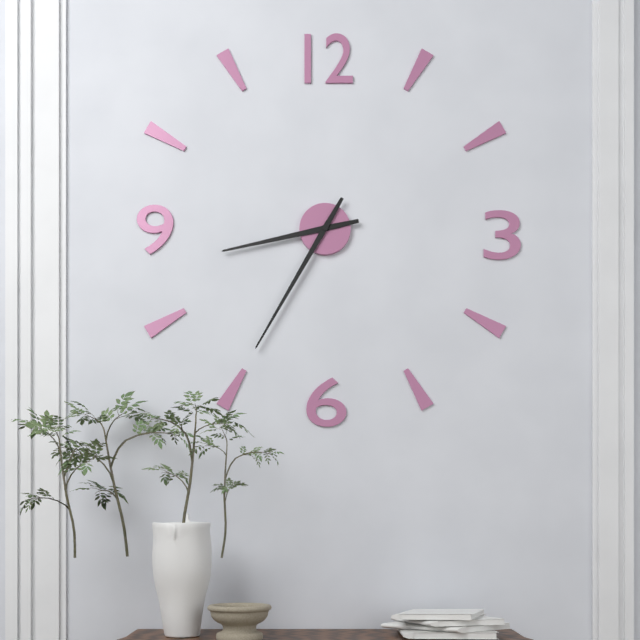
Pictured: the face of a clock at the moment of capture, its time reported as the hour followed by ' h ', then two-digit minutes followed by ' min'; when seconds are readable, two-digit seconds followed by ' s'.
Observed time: 8 h 35 min
